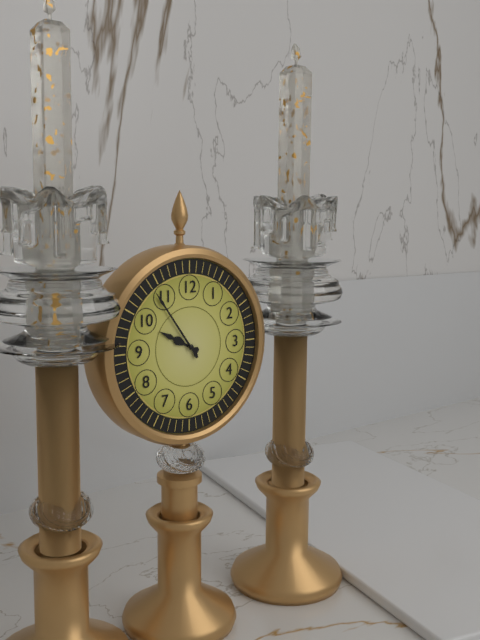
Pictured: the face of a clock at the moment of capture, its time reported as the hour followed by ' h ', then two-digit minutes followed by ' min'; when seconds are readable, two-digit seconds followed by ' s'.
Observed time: 9 h 54 min
